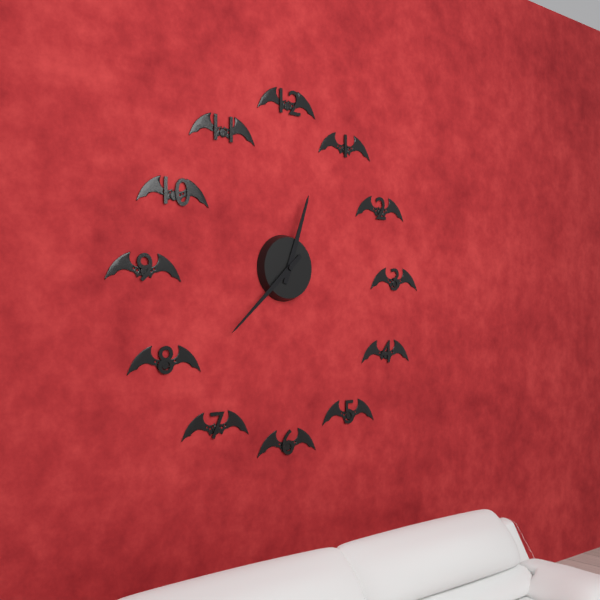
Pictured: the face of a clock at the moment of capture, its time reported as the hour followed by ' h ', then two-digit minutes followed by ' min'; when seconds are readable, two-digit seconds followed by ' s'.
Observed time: 12 h 38 min
